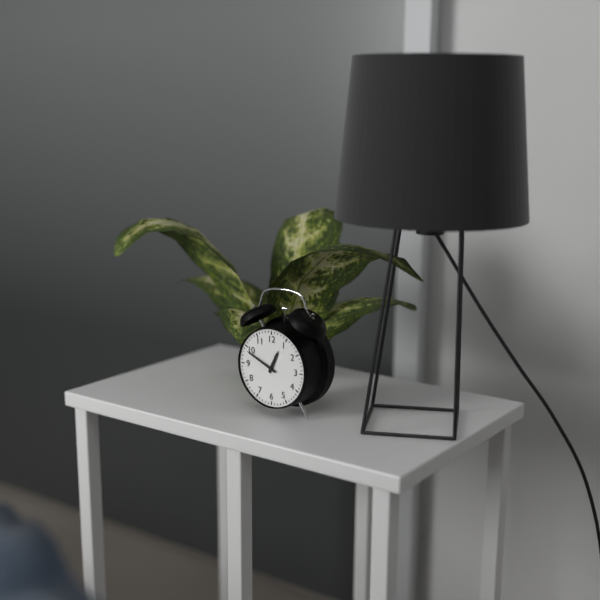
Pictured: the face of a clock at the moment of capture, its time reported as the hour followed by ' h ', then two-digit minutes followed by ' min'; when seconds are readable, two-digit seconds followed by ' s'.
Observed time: 12 h 49 min
